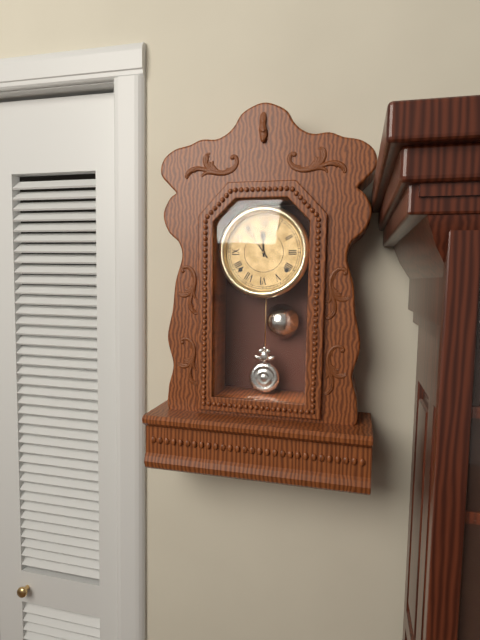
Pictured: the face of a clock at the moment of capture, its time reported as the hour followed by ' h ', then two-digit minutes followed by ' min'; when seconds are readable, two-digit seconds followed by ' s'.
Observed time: 11 h 54 min
